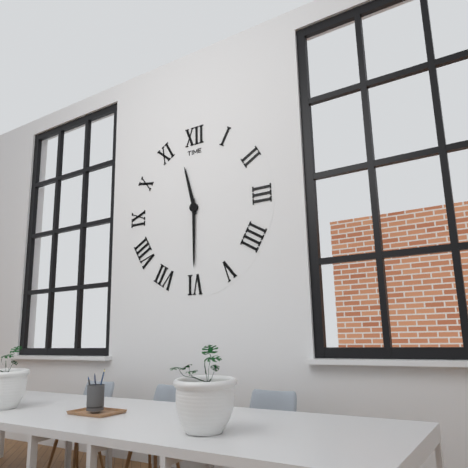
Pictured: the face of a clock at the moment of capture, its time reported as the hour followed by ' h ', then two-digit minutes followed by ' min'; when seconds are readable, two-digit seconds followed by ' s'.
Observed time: 11 h 30 min
